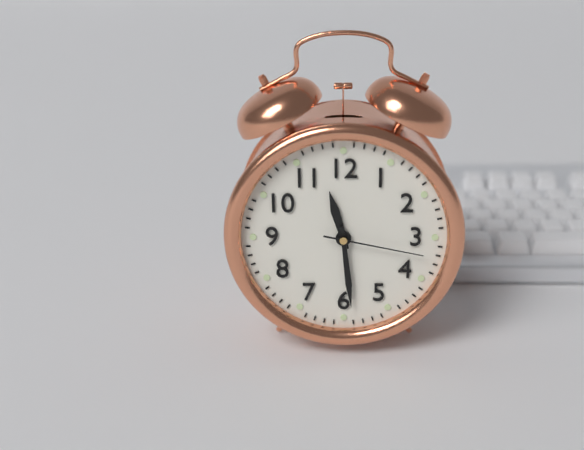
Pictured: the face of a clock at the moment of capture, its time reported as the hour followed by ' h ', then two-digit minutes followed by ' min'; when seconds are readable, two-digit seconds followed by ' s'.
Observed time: 11 h 29 min 17 s
